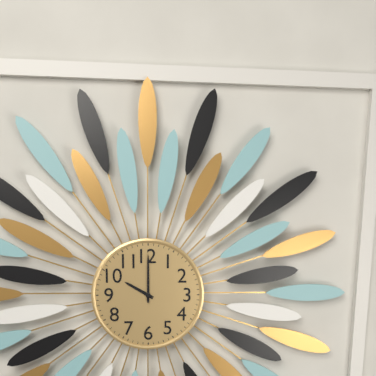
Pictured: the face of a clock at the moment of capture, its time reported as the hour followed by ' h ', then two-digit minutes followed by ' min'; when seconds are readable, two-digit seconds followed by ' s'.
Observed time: 10 h 00 min
